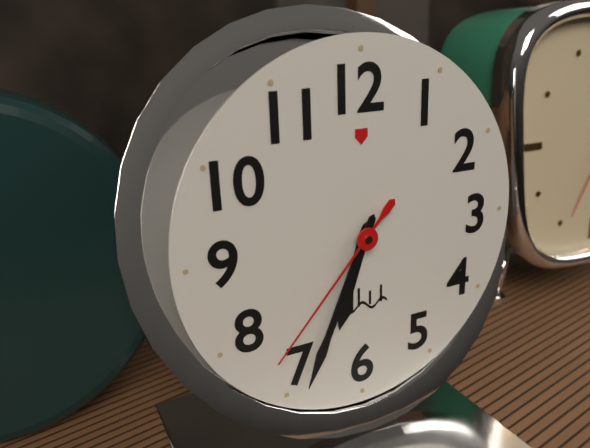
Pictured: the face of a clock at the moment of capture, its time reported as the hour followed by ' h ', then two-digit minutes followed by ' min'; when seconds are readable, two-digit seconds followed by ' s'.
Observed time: 6 h 34 min 37 s
